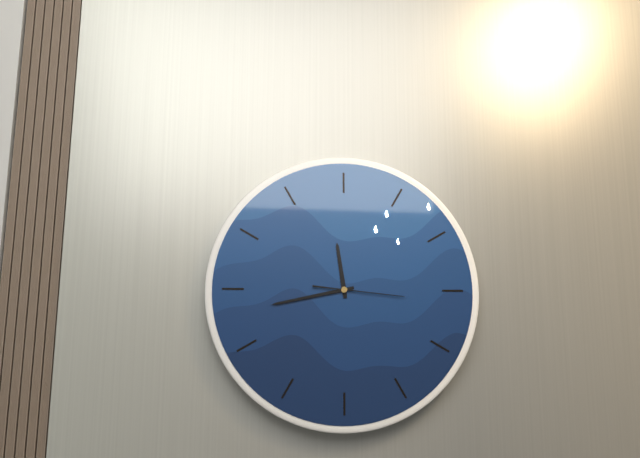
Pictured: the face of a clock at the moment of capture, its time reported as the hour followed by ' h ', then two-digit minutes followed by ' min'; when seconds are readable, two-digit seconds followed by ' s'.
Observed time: 11 h 43 min 16 s
